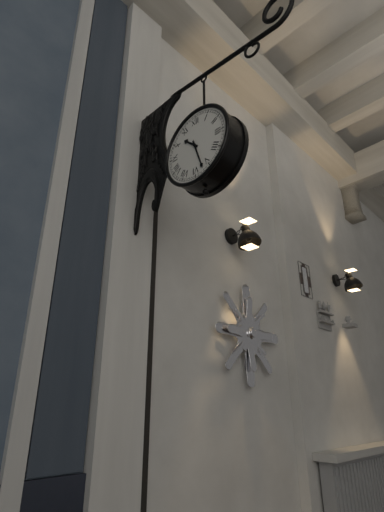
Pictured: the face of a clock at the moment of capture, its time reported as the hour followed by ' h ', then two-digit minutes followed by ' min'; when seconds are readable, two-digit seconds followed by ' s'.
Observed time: 10 h 27 min
